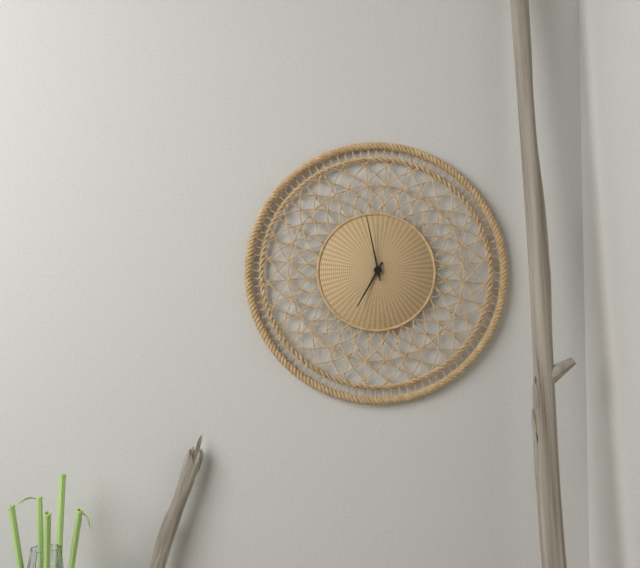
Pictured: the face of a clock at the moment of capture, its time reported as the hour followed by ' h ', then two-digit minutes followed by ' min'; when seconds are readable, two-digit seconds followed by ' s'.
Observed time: 6 h 58 min
